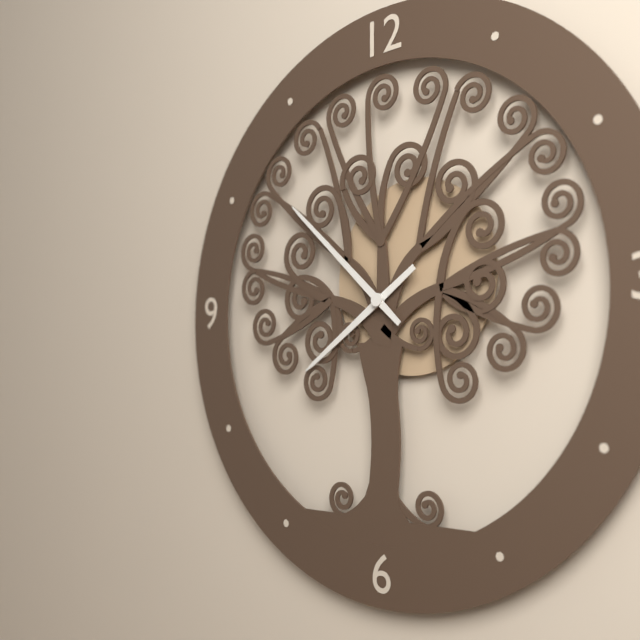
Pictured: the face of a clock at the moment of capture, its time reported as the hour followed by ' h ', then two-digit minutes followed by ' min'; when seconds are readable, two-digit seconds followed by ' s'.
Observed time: 7 h 52 min
